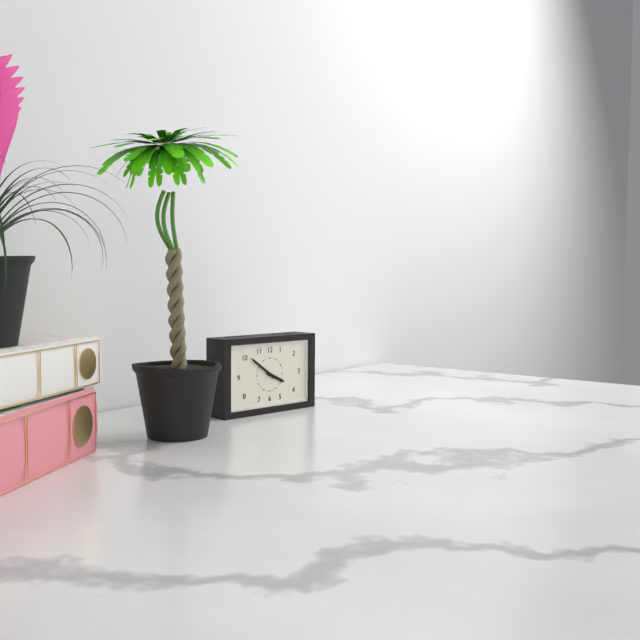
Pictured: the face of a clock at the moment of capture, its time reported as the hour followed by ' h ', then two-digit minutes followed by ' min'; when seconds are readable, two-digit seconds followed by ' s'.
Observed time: 3 h 51 min
